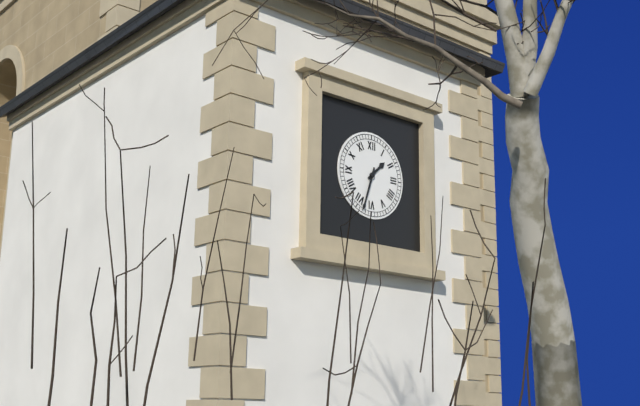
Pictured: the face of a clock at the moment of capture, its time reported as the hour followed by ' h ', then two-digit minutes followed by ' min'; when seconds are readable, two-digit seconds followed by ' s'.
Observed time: 1 h 33 min
